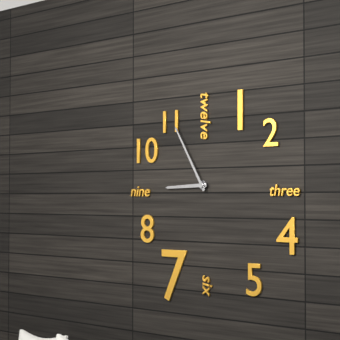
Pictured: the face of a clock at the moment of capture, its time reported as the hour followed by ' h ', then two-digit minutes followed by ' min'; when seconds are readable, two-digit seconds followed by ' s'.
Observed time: 8 h 55 min
